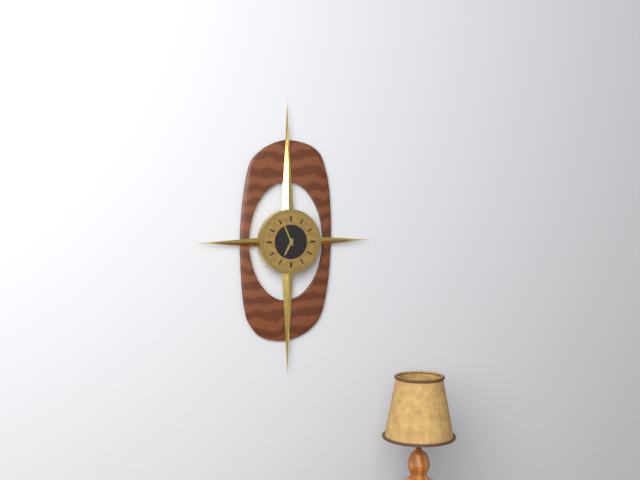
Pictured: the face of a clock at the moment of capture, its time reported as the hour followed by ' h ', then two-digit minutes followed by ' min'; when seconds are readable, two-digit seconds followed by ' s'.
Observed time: 6 h 56 min
